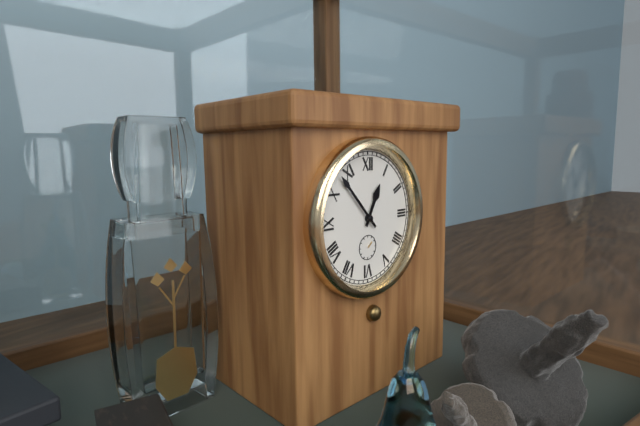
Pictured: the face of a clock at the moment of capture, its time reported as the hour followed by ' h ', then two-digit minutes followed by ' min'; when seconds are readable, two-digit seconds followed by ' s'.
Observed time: 12 h 53 min
